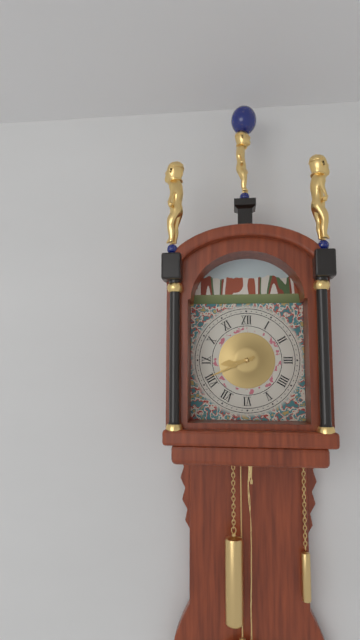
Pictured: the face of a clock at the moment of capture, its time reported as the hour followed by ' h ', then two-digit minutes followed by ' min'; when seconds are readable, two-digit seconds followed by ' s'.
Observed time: 8 h 41 min
